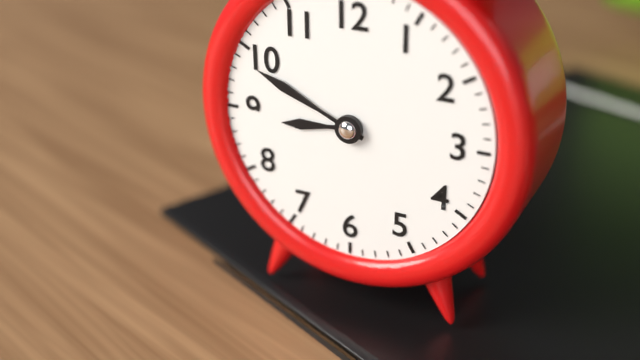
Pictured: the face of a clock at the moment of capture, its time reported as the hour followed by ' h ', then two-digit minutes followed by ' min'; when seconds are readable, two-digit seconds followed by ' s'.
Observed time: 8 h 49 min
